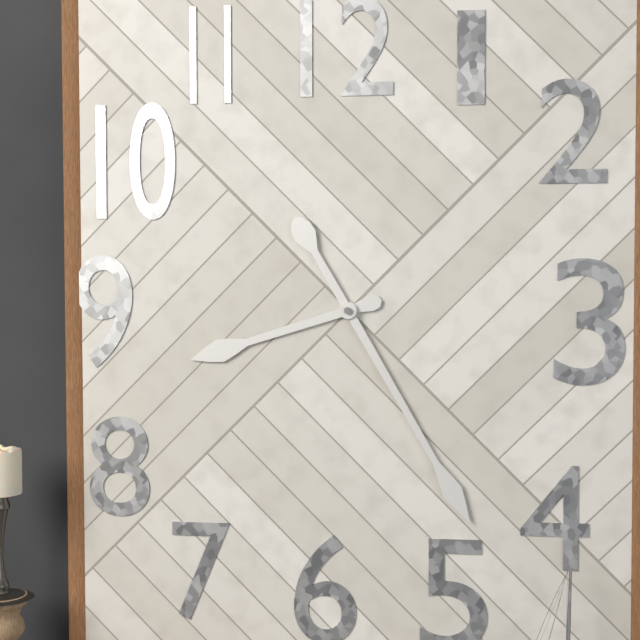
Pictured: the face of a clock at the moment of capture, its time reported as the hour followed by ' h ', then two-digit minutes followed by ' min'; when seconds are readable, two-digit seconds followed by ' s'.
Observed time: 8 h 25 min
